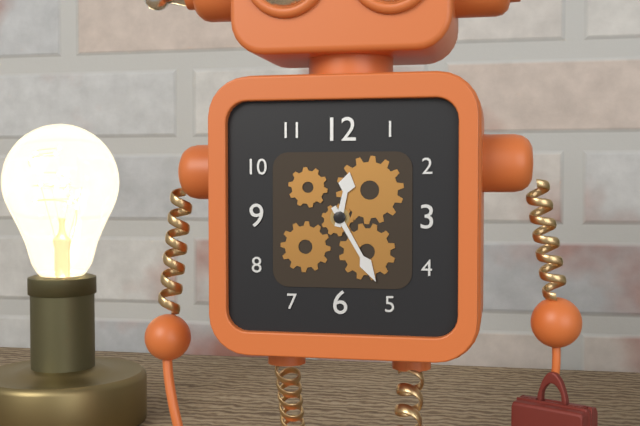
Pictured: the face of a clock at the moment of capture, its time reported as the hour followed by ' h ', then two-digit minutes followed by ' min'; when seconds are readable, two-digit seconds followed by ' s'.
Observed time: 12 h 25 min
